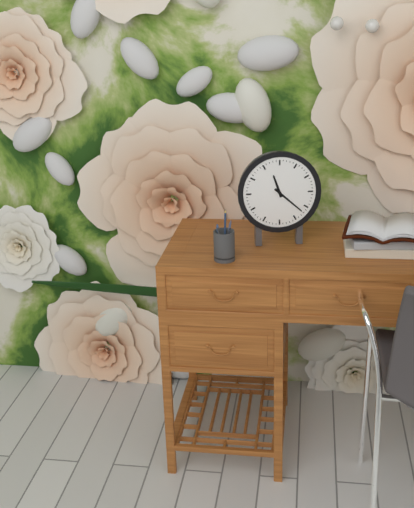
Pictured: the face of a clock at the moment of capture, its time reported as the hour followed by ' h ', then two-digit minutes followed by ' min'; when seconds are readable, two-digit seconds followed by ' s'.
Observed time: 11 h 22 min
